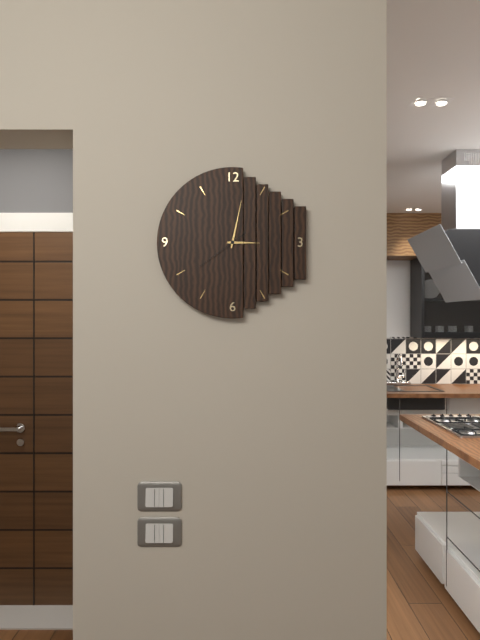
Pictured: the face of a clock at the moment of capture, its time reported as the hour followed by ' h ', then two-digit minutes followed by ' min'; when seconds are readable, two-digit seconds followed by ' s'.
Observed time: 3 h 02 min 39 s
